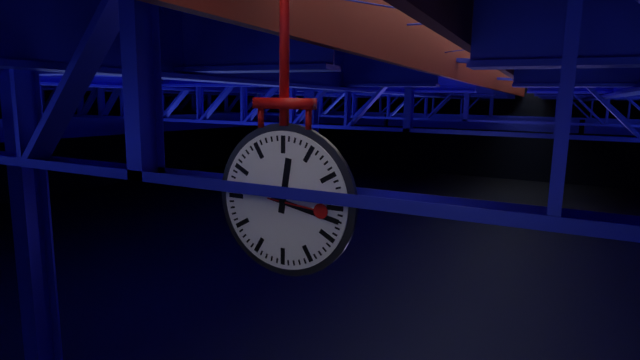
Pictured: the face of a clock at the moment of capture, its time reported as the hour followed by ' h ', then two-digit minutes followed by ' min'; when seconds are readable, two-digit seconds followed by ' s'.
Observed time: 12 h 17 min 16 s
